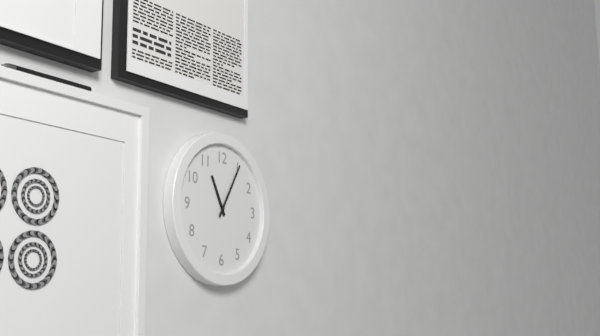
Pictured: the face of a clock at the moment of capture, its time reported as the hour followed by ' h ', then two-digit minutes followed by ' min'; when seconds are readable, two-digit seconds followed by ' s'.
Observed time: 11 h 05 min
